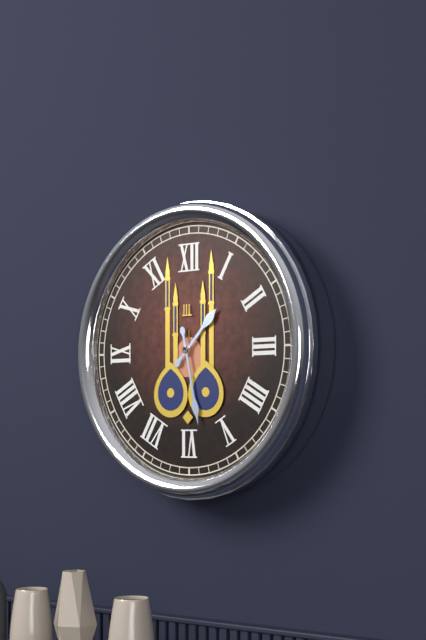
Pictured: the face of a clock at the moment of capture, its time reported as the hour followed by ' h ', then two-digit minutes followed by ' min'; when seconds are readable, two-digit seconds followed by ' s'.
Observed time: 1 h 28 min
